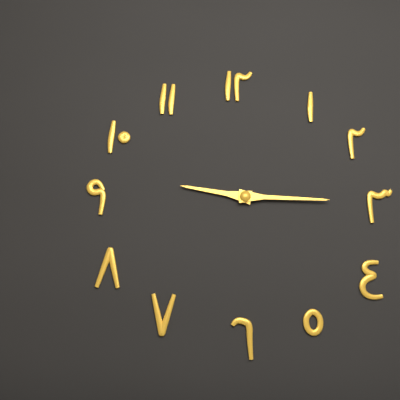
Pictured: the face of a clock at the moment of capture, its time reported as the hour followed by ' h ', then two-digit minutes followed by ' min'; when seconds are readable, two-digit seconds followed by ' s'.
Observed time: 9 h 15 min
